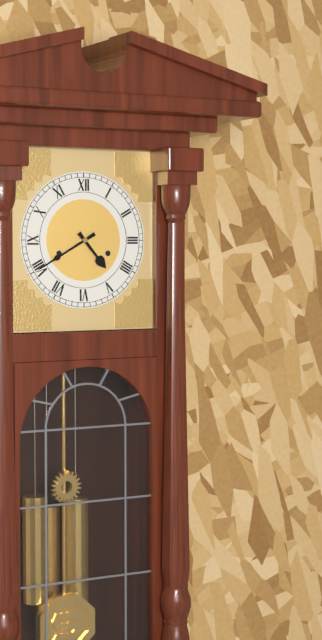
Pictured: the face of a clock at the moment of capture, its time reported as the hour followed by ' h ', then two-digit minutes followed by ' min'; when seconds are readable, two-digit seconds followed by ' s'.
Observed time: 4 h 40 min
